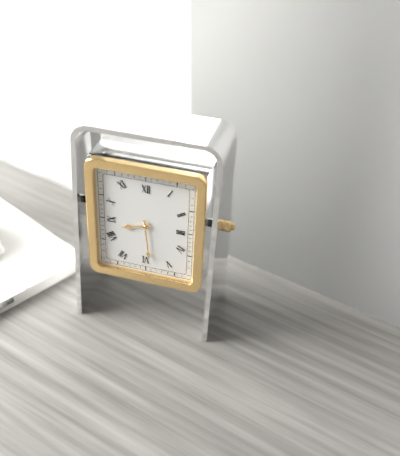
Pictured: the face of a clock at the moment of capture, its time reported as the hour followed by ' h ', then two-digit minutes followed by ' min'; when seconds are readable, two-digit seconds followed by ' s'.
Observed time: 8 h 29 min
